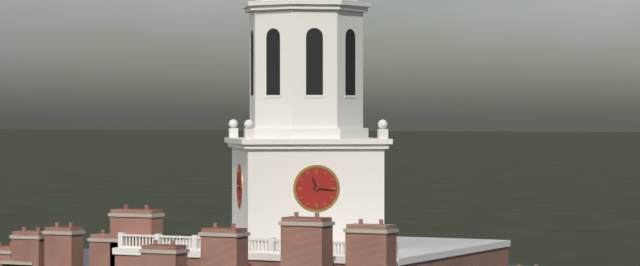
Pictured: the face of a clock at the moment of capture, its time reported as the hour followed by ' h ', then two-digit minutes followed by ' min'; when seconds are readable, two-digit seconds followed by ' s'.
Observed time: 11 h 16 min
